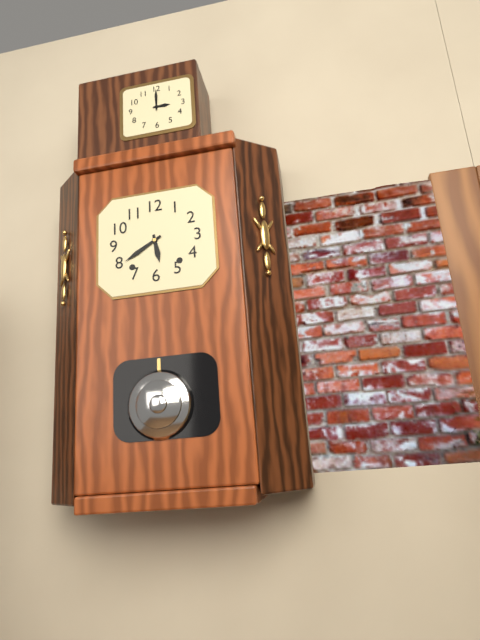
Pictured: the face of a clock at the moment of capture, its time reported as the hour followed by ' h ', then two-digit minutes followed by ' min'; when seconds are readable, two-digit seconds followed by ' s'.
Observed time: 5 h 40 min
